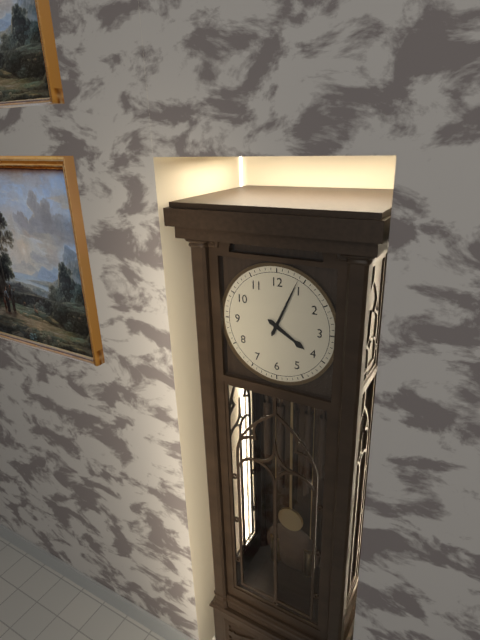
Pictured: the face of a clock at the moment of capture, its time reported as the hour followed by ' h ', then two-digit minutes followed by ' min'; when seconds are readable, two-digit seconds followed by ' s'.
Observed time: 4 h 04 min
